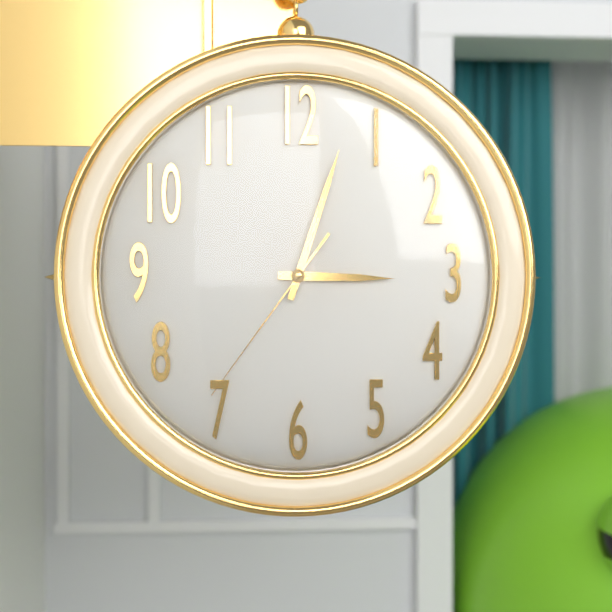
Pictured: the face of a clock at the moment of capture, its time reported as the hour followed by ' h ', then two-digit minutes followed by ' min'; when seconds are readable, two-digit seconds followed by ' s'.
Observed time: 3 h 03 min 36 s
